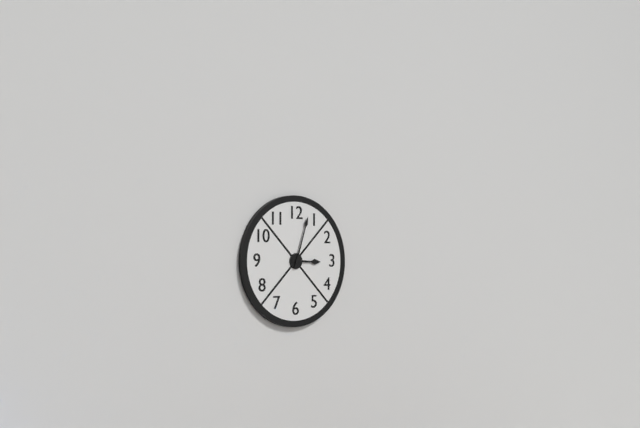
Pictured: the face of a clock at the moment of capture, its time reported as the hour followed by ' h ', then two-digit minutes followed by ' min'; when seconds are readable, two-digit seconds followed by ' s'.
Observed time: 3 h 03 min
